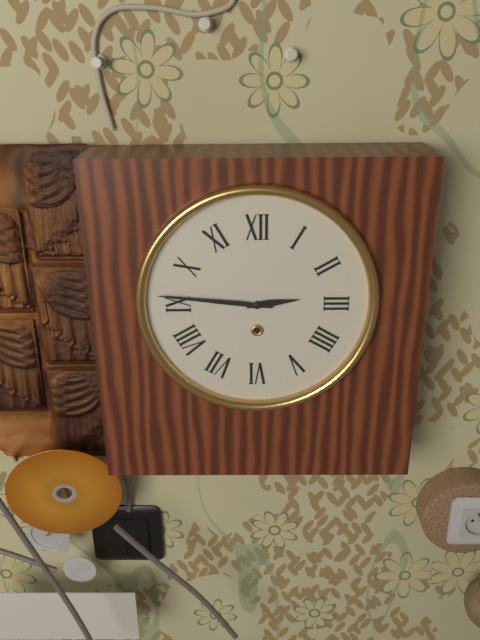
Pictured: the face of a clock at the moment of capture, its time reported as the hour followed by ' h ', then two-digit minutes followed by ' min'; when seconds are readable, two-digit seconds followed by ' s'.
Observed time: 2 h 46 min
